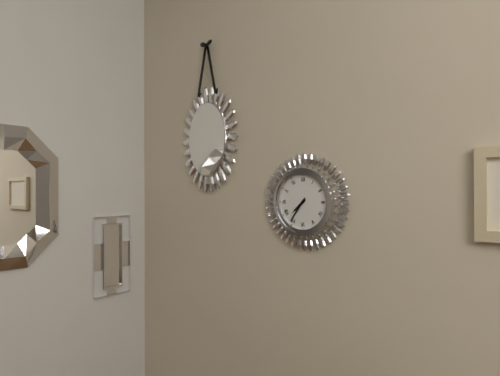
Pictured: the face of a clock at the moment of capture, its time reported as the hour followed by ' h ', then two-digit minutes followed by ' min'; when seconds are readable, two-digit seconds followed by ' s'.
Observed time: 7 h 36 min
